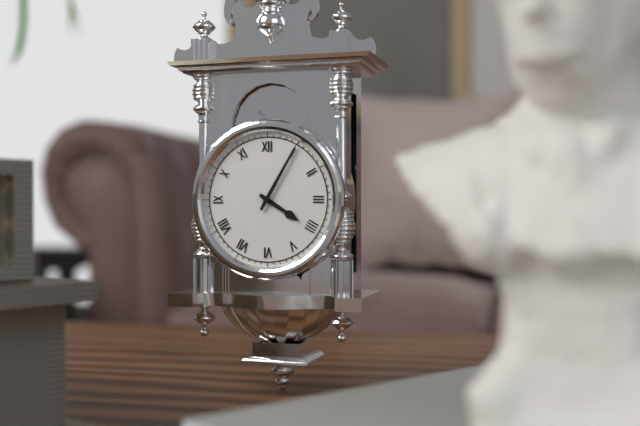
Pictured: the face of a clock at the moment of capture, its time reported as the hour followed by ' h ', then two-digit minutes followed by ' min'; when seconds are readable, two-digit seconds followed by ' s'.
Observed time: 4 h 05 min
